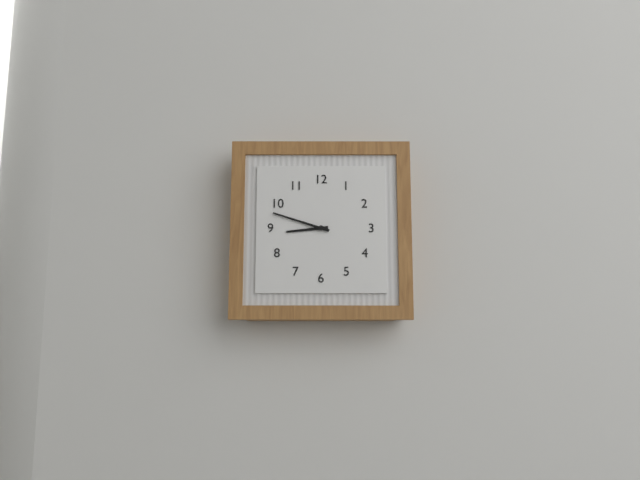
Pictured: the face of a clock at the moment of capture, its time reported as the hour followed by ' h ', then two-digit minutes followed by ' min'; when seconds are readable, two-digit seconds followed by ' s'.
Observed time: 8 h 48 min
